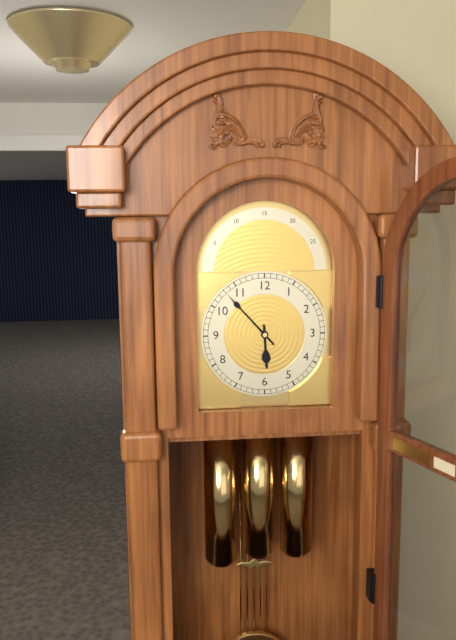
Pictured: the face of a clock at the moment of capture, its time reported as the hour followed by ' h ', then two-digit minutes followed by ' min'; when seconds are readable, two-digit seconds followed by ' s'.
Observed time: 5 h 53 min
